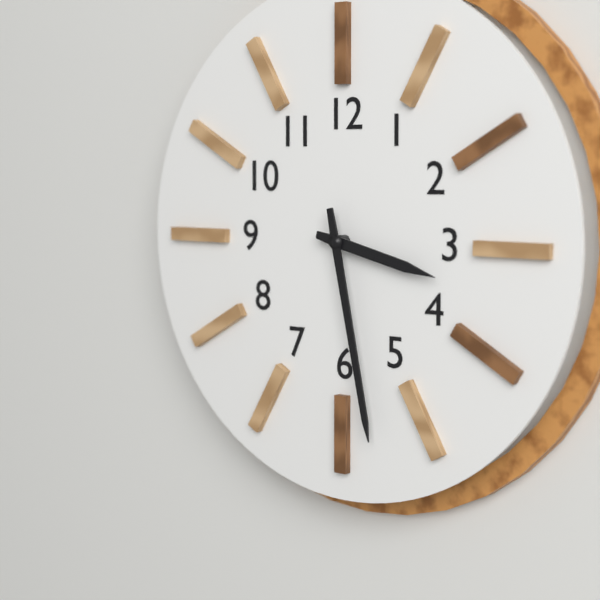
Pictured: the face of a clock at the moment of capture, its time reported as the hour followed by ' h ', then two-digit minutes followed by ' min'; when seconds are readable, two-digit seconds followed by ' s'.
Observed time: 3 h 28 min
